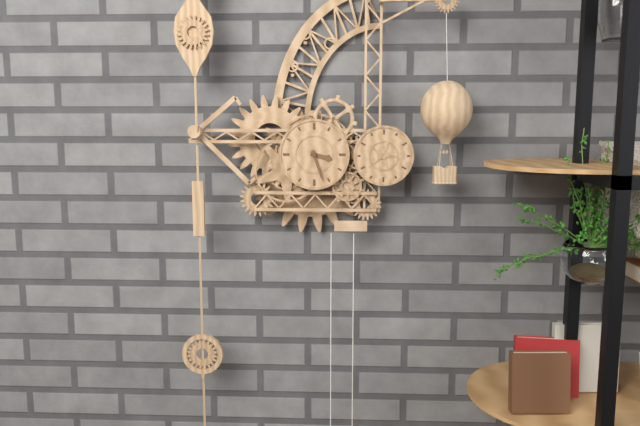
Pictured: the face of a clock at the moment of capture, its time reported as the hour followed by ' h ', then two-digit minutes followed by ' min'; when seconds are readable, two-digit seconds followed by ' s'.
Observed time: 3 h 27 min
